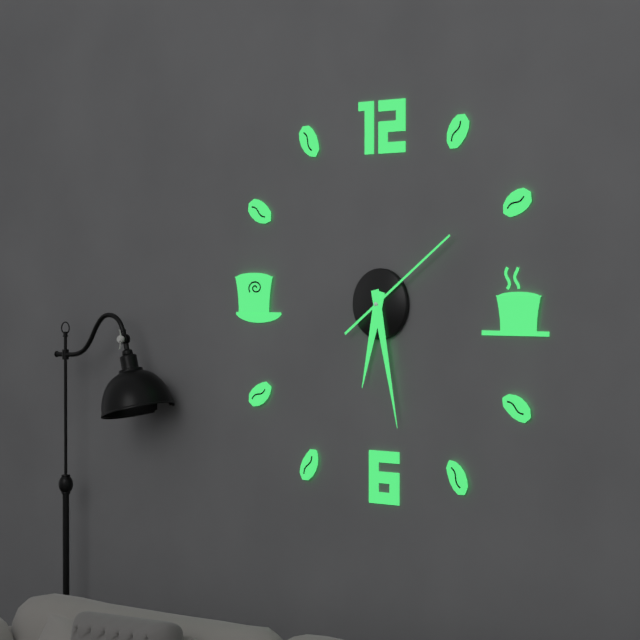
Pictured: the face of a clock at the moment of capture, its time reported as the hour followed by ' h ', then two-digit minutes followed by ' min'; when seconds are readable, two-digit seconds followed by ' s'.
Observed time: 6 h 28 min 09 s
